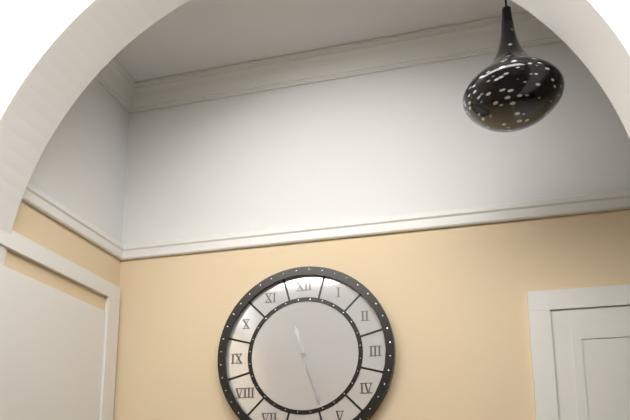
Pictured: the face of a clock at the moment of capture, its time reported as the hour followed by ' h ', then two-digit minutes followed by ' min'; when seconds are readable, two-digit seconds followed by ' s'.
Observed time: 11 h 27 min
